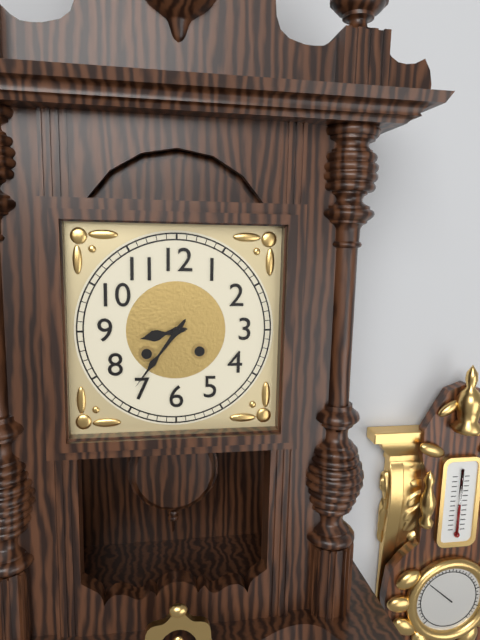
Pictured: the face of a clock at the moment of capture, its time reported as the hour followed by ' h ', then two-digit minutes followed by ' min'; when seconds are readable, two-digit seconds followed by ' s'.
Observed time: 8 h 36 min
